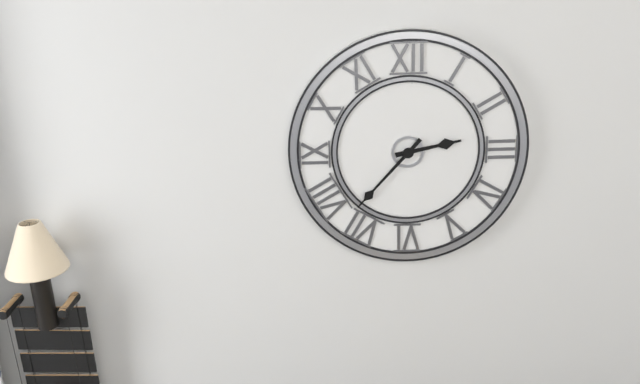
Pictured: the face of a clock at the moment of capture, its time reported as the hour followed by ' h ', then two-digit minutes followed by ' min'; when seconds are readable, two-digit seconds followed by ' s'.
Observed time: 2 h 37 min
